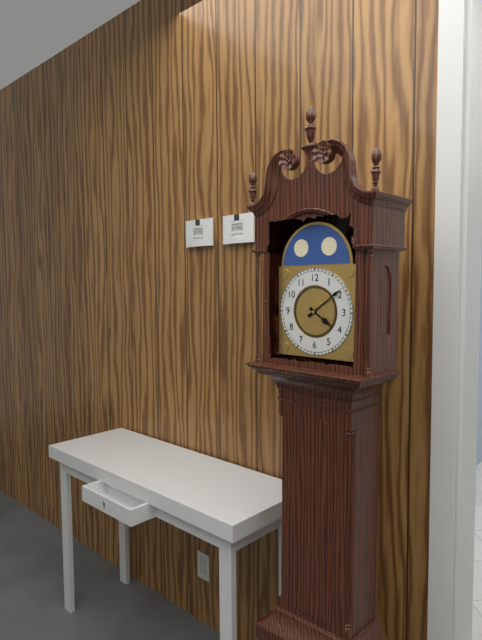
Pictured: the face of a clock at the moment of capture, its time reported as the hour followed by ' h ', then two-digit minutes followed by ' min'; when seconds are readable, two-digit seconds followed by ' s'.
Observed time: 4 h 09 min
